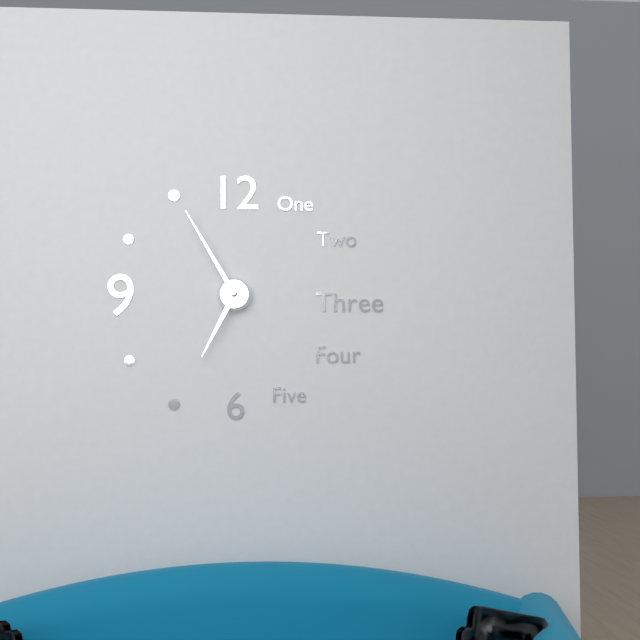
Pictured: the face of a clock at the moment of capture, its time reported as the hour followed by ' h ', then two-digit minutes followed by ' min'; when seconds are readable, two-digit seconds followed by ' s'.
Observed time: 6 h 55 min
